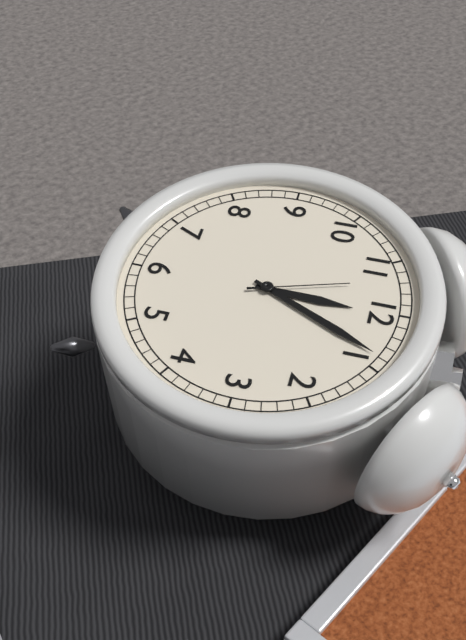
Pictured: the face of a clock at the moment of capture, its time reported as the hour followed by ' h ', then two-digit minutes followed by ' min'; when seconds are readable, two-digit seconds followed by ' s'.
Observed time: 12 h 04 min 57 s
